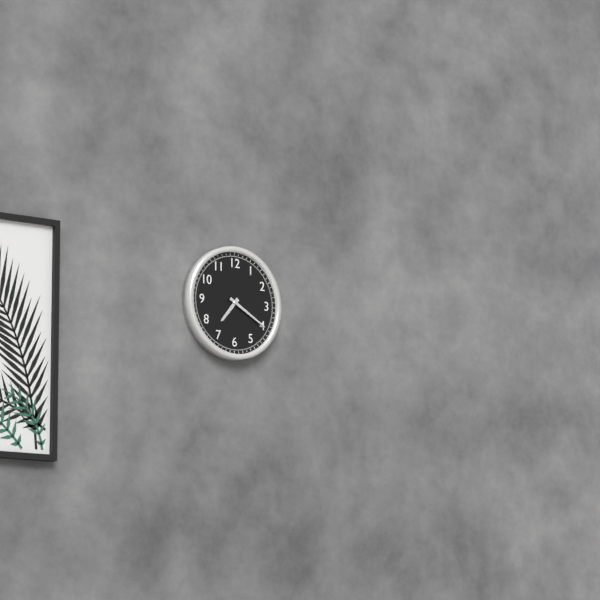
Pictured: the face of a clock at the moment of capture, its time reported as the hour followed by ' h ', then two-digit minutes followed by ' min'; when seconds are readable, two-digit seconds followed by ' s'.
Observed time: 7 h 20 min
